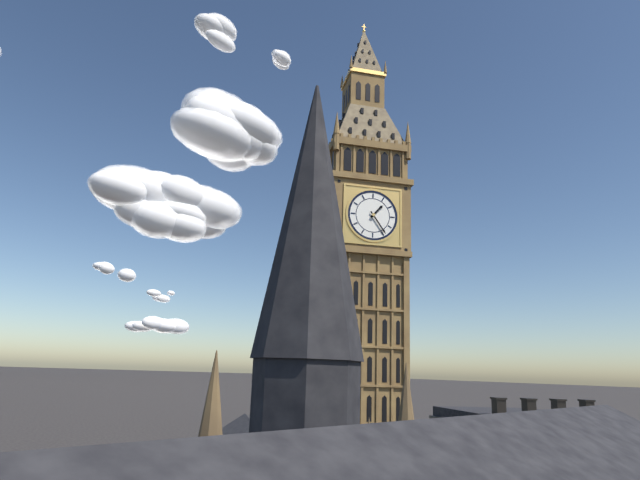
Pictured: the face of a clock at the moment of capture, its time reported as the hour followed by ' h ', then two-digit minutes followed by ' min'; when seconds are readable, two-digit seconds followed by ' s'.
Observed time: 1 h 24 min
